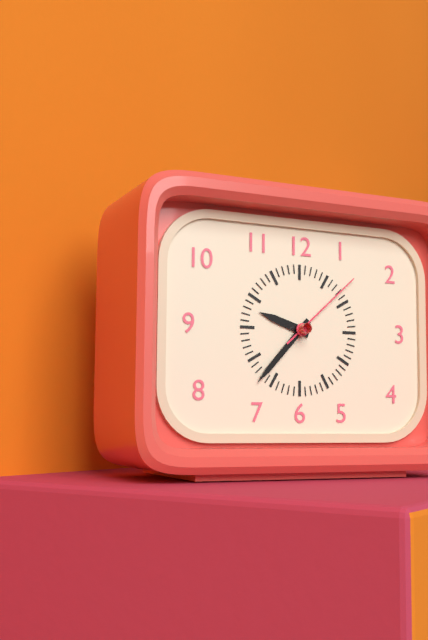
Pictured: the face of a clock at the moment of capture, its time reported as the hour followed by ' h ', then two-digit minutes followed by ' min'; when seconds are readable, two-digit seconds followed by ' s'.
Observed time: 9 h 37 min 08 s
